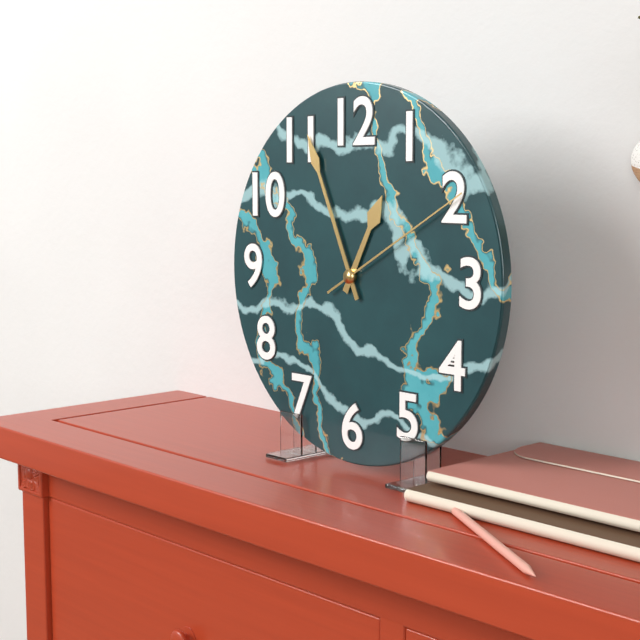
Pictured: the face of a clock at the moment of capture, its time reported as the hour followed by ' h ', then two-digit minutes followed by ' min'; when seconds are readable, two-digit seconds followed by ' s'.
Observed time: 12 h 56 min 10 s
